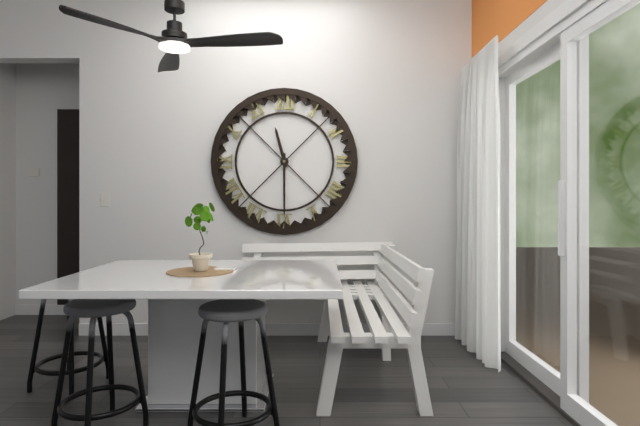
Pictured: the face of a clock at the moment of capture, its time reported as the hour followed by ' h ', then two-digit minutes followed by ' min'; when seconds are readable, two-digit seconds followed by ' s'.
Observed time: 11 h 30 min
